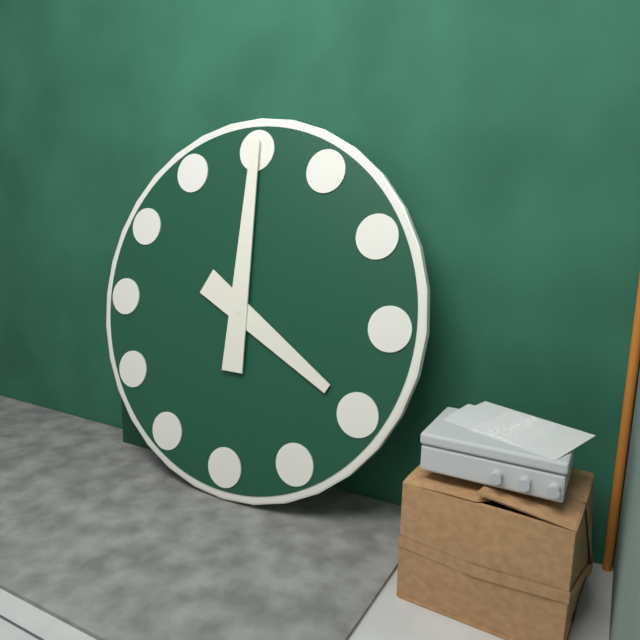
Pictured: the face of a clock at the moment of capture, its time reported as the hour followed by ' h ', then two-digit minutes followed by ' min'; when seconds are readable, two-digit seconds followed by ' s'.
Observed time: 4 h 00 min
